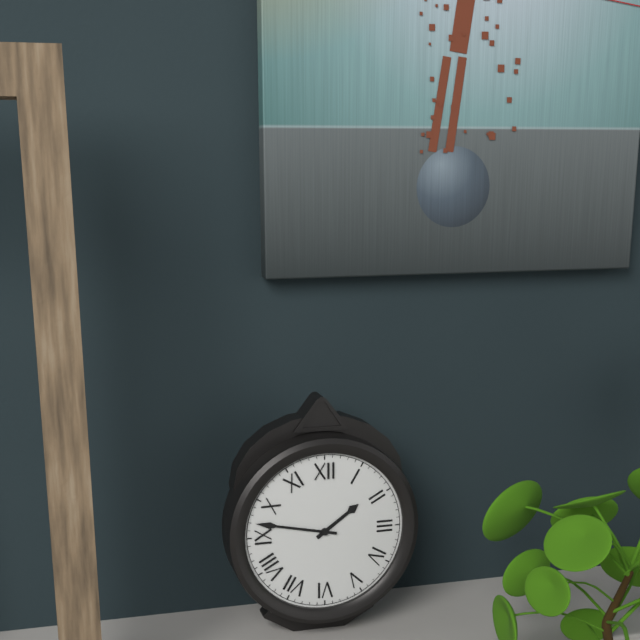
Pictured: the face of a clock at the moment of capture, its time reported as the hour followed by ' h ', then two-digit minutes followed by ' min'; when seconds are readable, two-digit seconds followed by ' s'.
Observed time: 1 h 47 min
